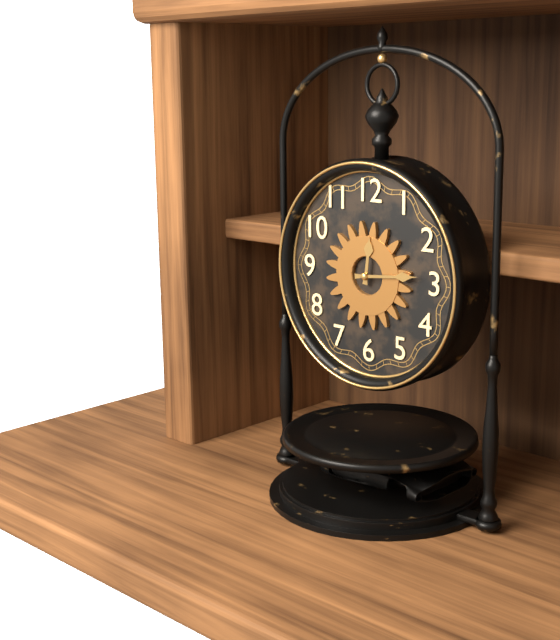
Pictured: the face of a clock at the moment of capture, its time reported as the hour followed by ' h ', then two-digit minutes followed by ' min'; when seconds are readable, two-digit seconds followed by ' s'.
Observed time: 12 h 14 min
